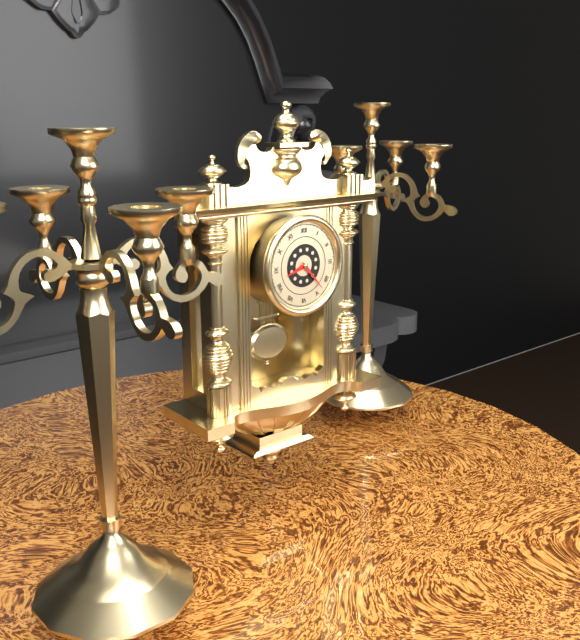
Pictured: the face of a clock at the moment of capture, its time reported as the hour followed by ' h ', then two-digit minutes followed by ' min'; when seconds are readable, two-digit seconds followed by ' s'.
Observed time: 8 h 23 min
